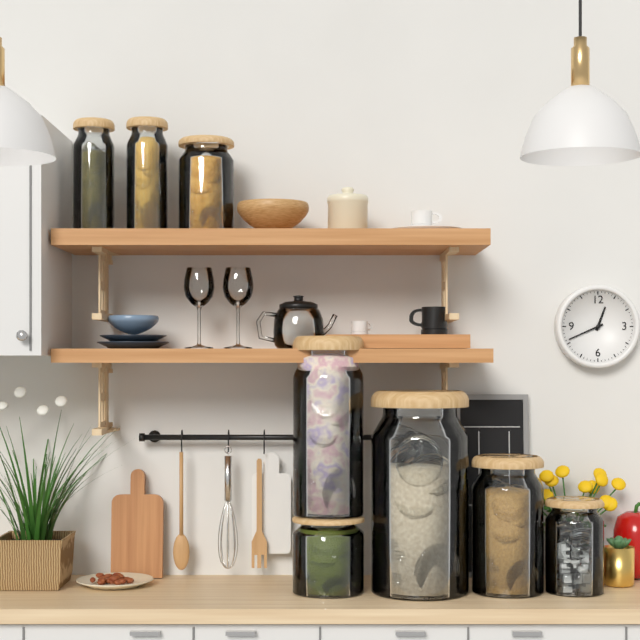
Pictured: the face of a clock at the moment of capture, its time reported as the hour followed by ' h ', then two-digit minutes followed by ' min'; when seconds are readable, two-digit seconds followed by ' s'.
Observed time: 12 h 41 min
